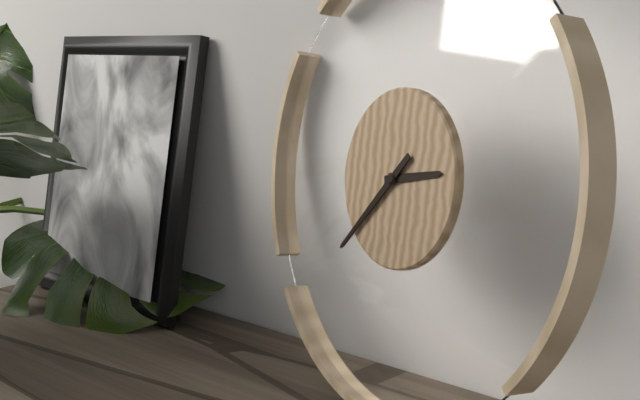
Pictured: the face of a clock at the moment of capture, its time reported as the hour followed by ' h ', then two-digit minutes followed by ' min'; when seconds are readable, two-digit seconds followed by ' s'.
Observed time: 2 h 37 min
